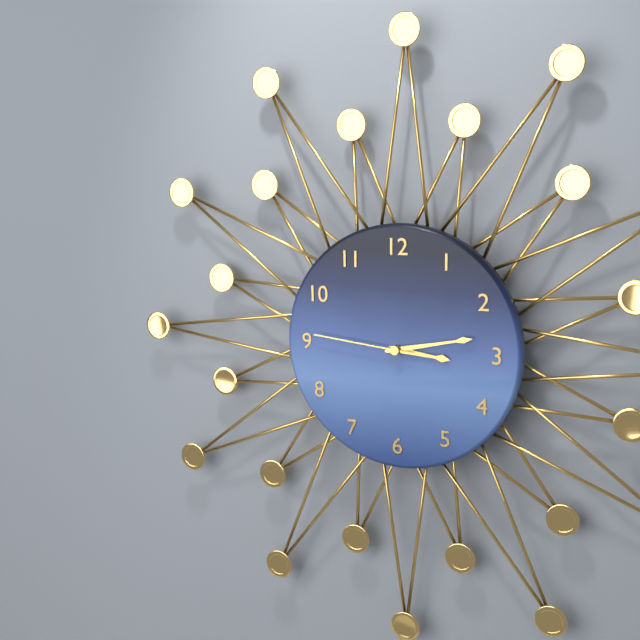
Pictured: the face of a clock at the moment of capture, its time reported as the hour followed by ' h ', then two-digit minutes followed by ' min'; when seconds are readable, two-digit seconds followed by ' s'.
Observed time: 3 h 13 min 46 s
